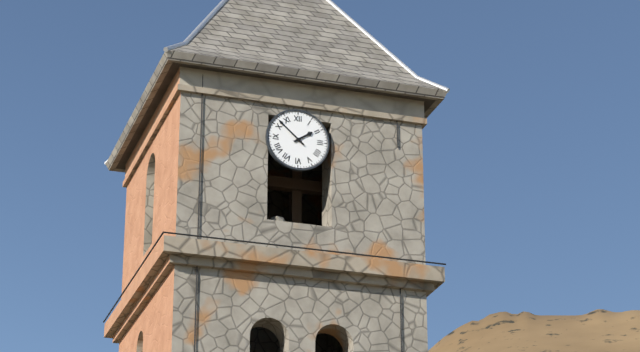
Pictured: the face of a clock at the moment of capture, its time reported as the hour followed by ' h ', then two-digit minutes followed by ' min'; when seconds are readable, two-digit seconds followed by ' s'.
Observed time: 1 h 52 min
